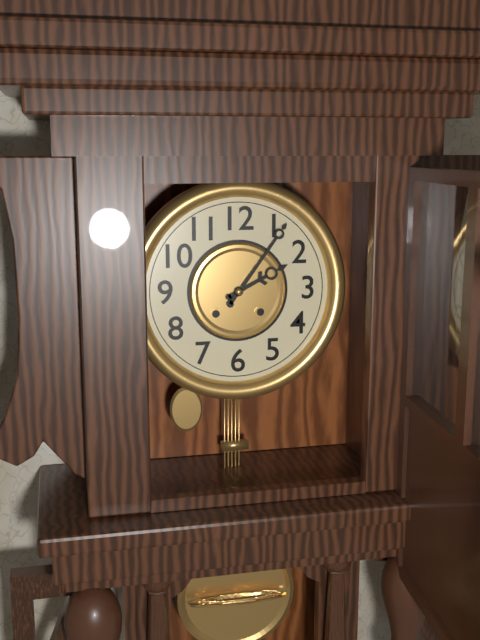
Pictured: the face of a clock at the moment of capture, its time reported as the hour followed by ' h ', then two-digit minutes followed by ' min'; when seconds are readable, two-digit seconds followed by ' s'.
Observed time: 2 h 06 min
